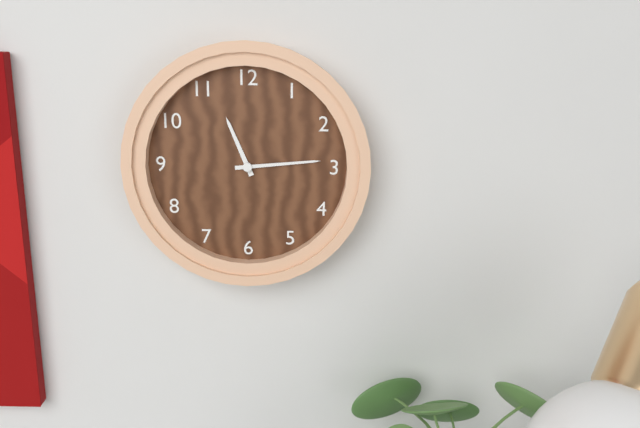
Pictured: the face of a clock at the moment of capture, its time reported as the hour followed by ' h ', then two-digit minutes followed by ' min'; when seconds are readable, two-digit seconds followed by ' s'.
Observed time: 11 h 14 min
